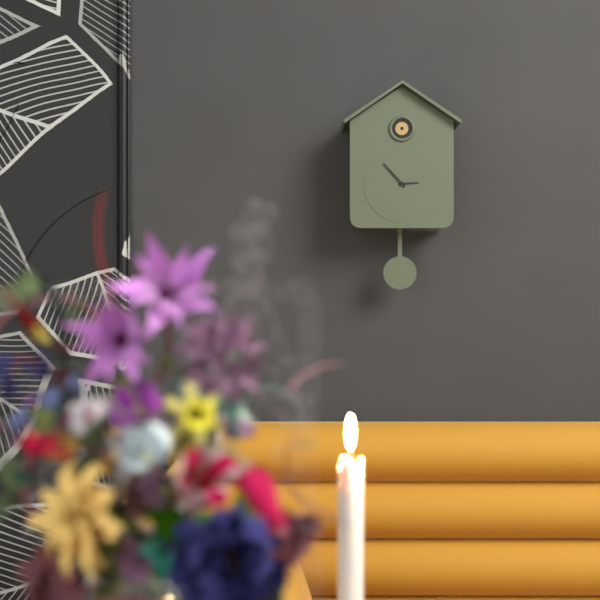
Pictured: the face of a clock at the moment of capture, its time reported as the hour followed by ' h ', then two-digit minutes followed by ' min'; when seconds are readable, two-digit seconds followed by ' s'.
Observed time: 2 h 53 min
